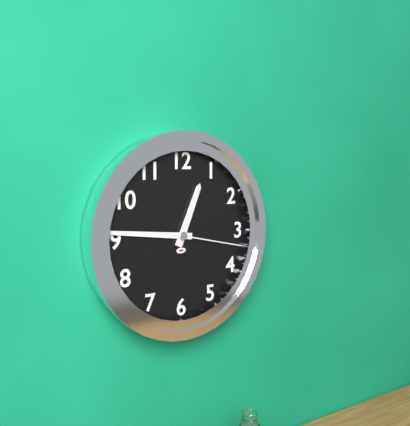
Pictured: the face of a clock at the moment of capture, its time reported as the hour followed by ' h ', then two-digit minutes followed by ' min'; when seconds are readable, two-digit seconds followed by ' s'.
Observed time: 12 h 46 min 17 s
